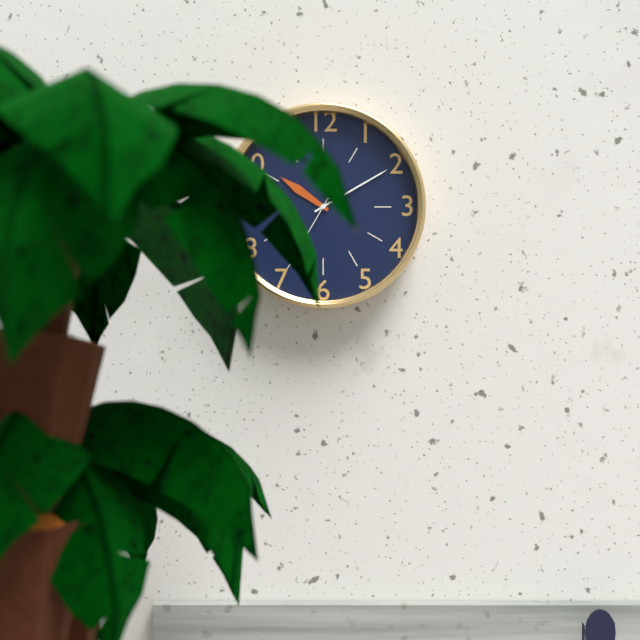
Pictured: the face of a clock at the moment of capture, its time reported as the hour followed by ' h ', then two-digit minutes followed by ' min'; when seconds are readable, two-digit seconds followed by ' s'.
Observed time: 10 h 10 min
